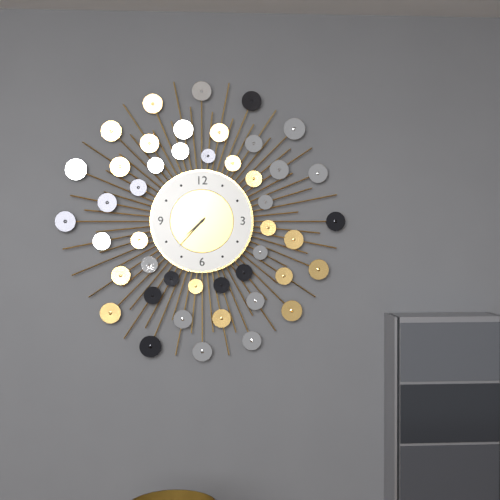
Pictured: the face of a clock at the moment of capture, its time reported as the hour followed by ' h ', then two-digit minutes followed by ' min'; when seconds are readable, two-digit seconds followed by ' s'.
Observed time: 7 h 37 min
